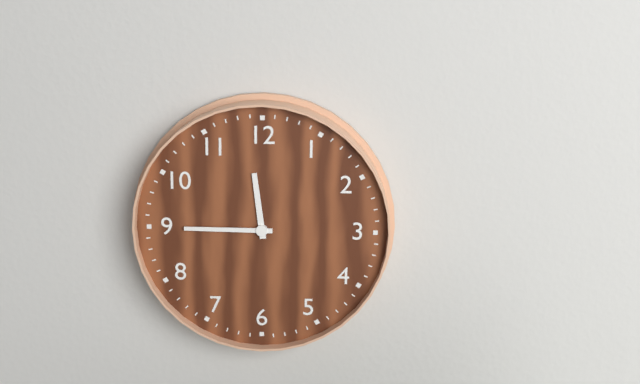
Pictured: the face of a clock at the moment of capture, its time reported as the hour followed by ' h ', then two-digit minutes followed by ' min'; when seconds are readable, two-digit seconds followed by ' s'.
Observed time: 11 h 45 min
